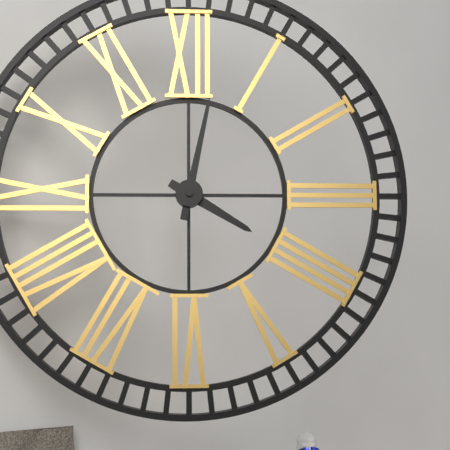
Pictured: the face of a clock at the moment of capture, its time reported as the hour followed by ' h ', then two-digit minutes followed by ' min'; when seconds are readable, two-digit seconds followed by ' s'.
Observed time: 4 h 02 min
